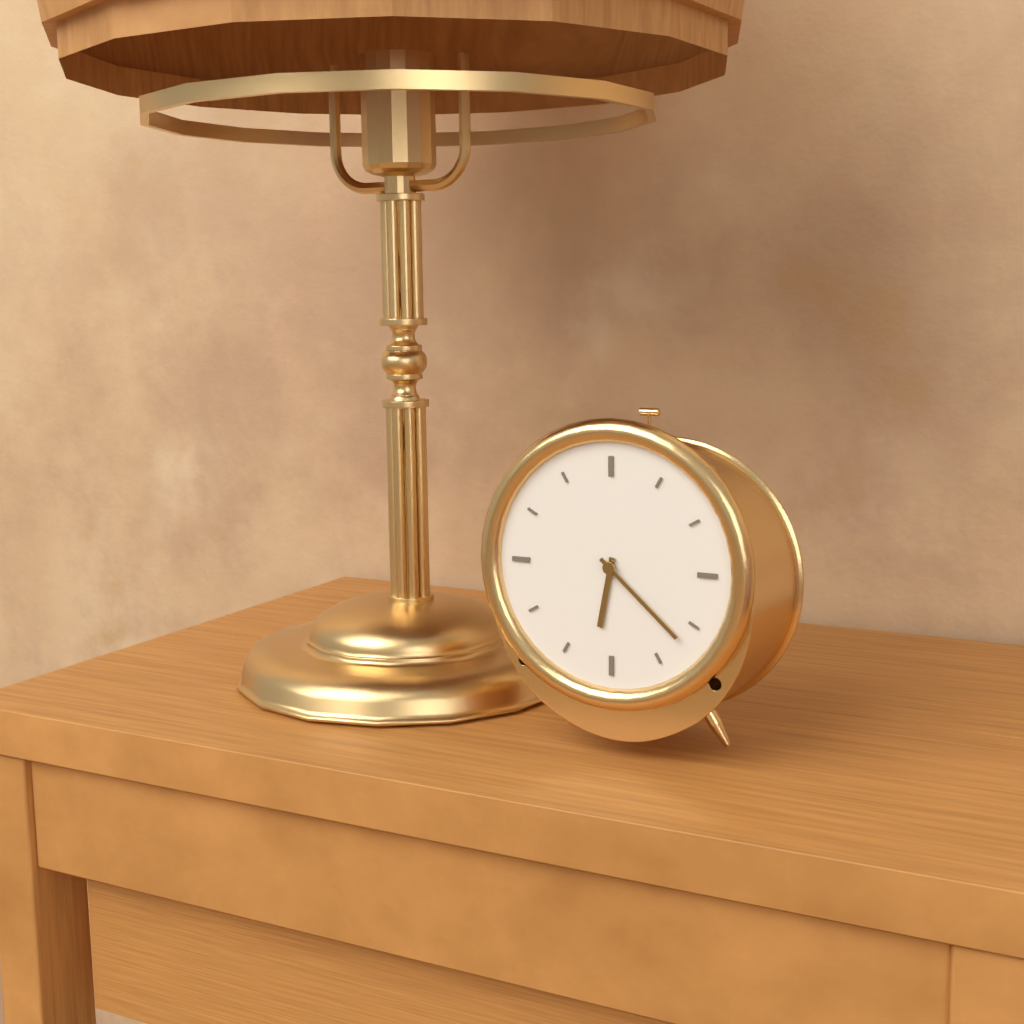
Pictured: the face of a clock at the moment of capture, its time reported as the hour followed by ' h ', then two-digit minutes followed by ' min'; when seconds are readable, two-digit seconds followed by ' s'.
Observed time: 6 h 22 min
